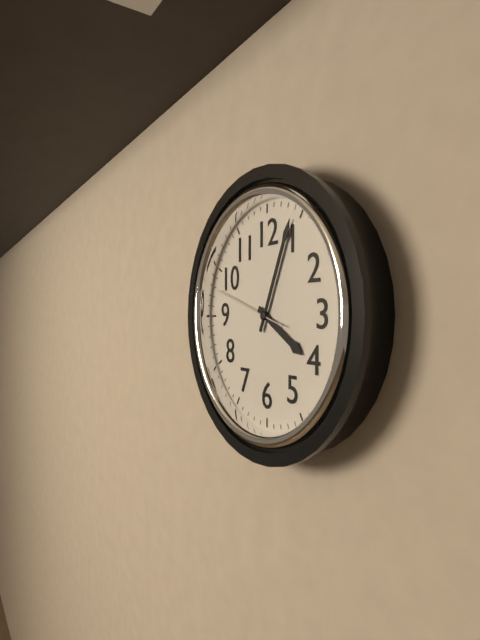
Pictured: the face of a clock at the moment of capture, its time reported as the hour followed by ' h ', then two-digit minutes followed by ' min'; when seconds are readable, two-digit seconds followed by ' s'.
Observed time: 4 h 04 min 48 s
